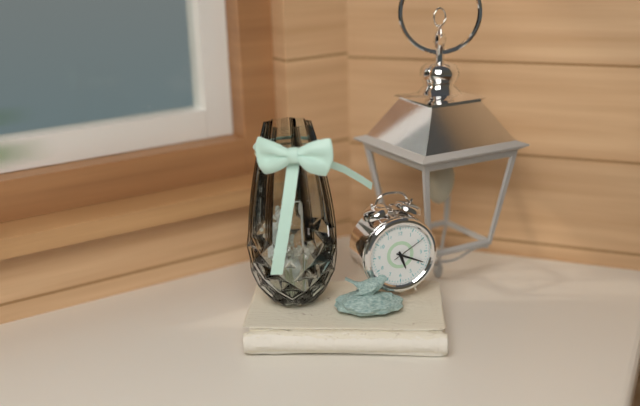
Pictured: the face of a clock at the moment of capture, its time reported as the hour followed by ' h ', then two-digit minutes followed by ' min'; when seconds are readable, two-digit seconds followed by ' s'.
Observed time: 5 h 19 min
